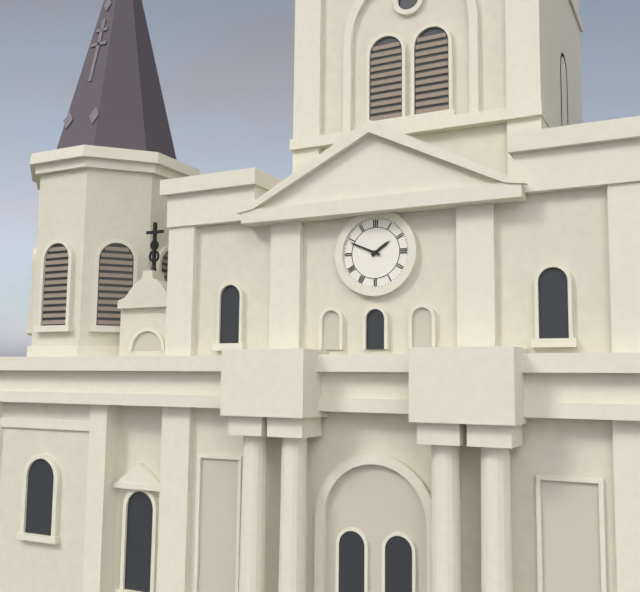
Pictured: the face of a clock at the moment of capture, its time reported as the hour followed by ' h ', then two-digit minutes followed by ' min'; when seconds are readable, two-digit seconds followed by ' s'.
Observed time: 1 h 49 min
